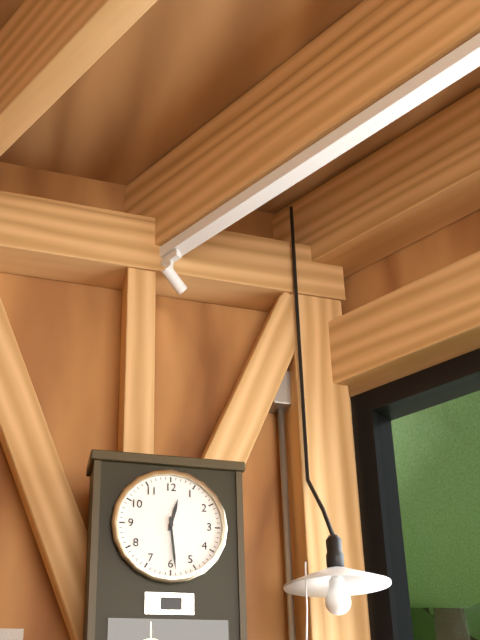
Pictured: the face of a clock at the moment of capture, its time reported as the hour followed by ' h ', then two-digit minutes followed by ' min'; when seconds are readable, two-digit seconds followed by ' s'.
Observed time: 12 h 29 min
